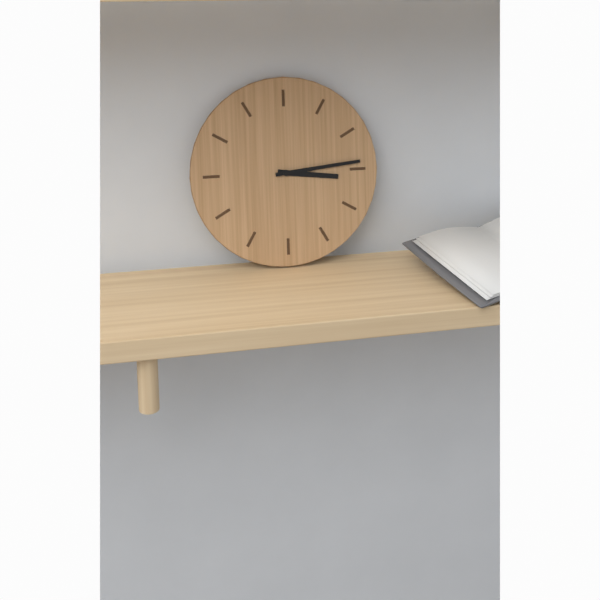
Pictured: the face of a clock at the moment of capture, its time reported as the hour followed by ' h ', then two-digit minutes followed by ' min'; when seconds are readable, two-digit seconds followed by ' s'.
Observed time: 3 h 14 min
